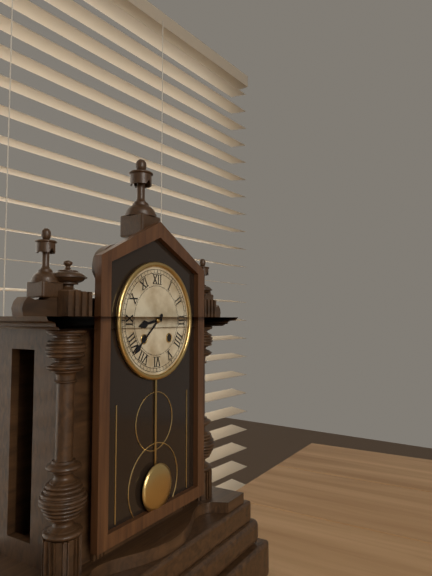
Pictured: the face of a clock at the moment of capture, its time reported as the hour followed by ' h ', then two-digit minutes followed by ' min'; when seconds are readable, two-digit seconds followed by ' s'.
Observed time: 8 h 38 min
